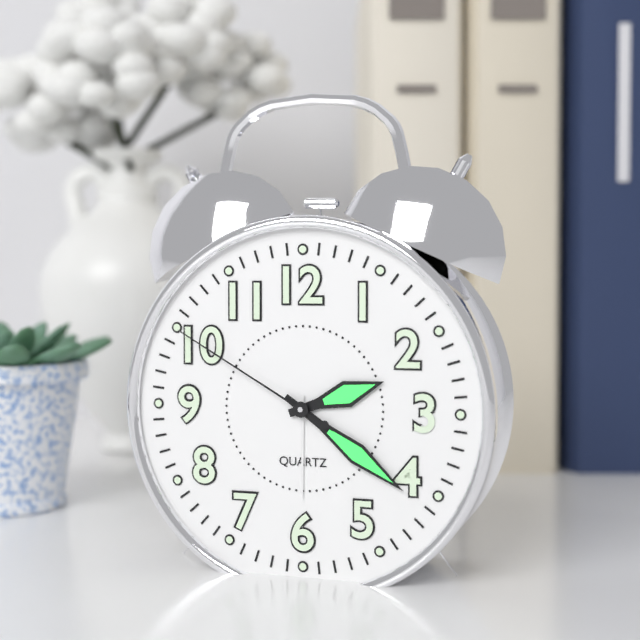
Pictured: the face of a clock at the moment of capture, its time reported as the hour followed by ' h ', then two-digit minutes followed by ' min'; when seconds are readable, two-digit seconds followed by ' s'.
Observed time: 2 h 21 min 50 s
